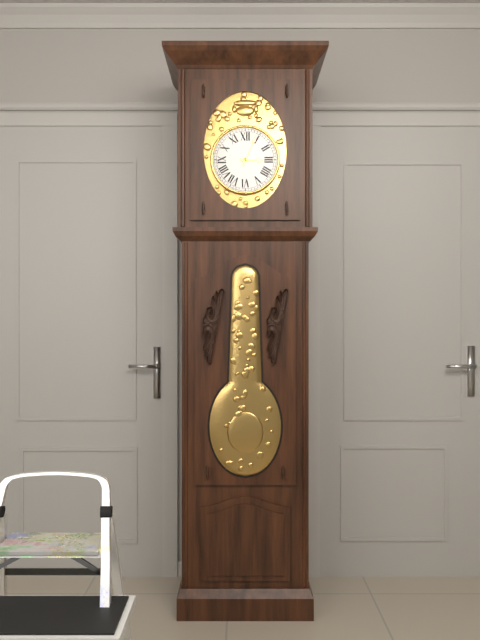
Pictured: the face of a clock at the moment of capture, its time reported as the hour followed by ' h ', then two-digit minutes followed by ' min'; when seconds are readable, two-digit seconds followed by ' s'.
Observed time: 3 h 04 min
